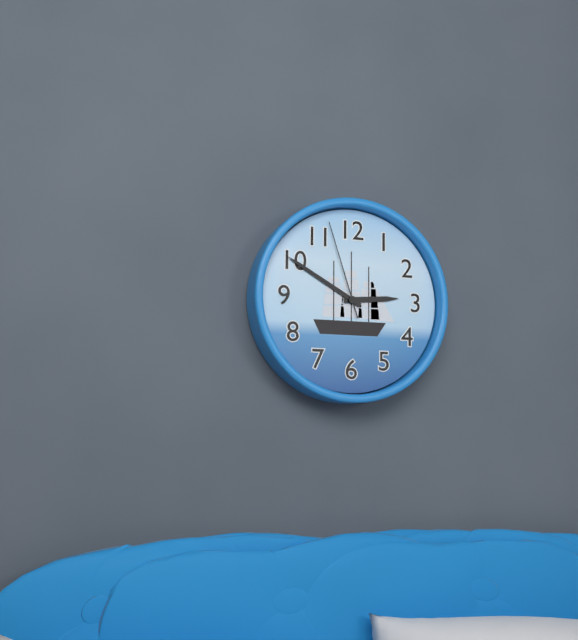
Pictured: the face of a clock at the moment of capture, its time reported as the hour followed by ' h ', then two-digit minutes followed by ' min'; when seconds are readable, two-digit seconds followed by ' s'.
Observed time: 2 h 50 min 57 s
